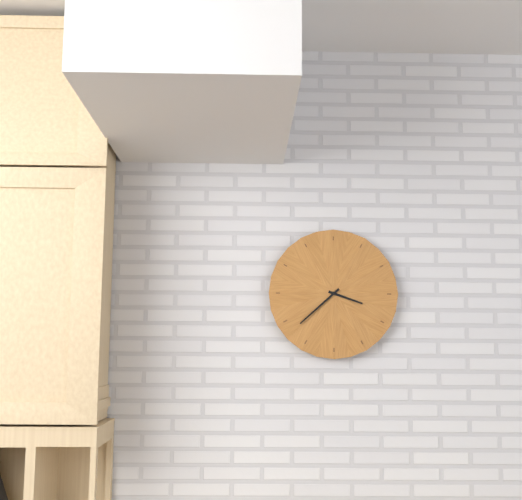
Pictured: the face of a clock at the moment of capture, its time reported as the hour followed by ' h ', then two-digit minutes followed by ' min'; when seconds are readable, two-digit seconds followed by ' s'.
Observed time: 3 h 38 min
